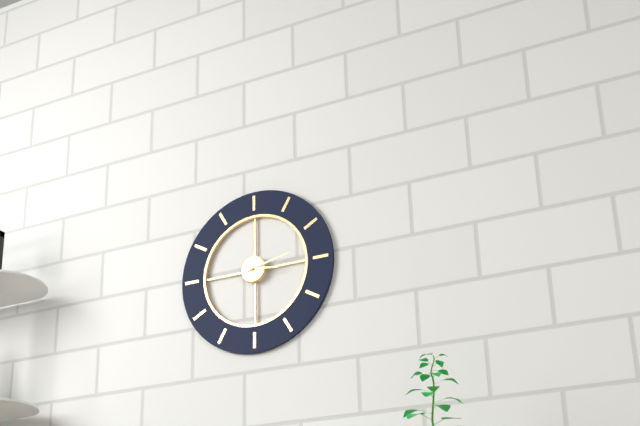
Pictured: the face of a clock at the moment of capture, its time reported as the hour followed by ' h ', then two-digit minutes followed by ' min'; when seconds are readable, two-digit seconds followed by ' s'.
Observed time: 3 h 13 min
